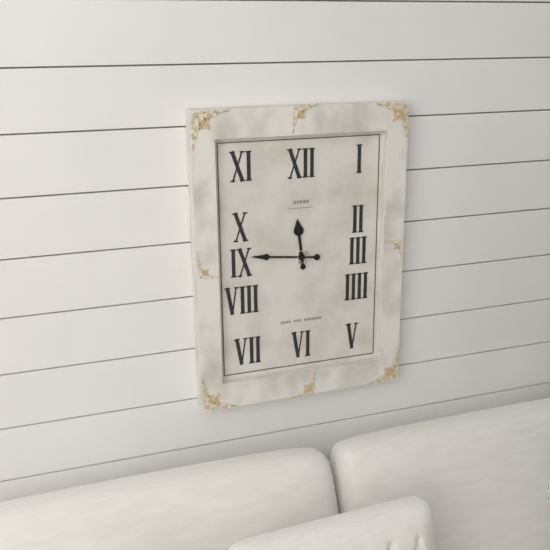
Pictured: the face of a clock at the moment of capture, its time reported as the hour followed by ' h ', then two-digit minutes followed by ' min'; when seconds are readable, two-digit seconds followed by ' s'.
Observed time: 11 h 46 min
